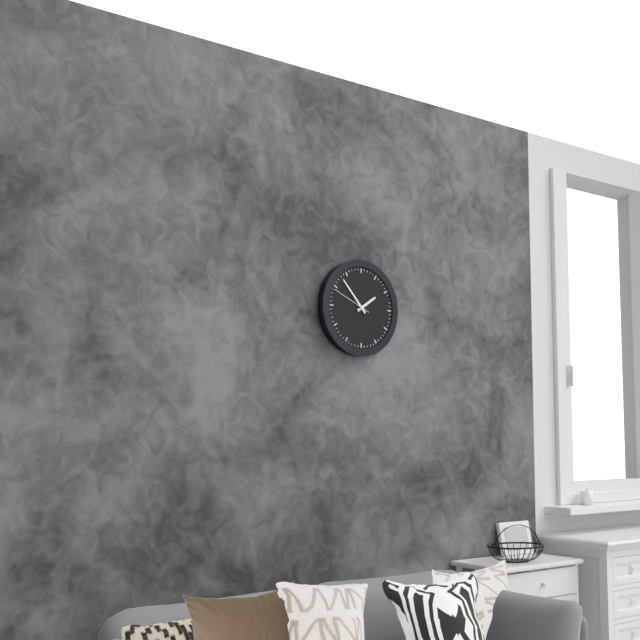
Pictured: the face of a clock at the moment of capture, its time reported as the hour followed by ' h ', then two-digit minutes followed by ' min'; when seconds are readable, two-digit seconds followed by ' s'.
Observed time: 1 h 53 min
